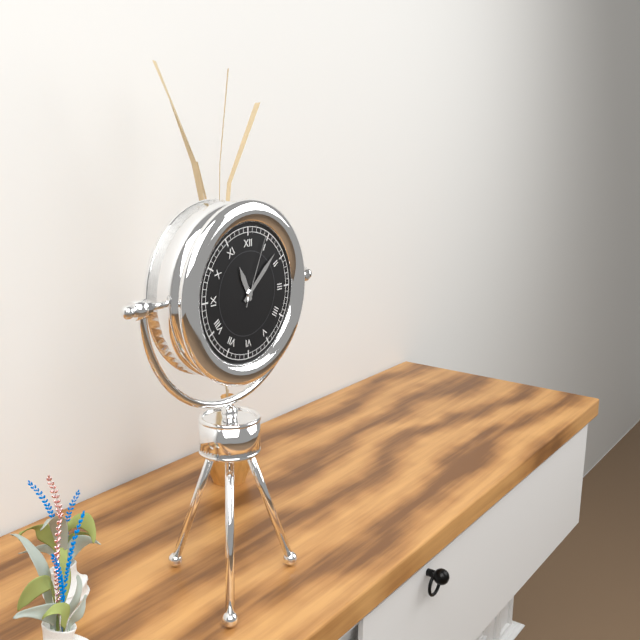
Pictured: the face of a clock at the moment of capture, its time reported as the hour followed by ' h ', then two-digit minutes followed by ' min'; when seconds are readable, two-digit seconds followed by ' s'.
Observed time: 11 h 08 min 04 s
